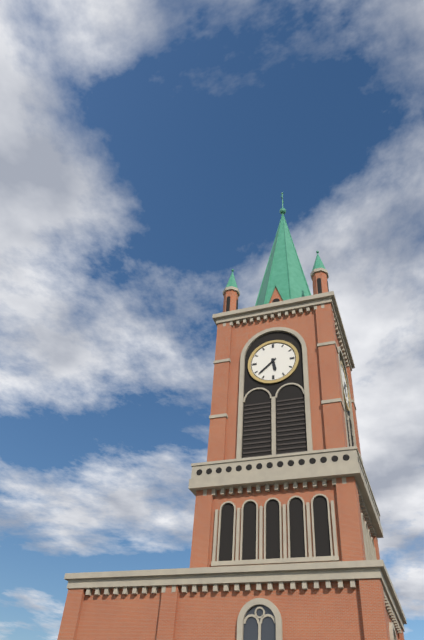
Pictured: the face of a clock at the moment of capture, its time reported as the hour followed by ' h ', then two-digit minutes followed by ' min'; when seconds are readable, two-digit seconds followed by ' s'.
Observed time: 5 h 38 min
